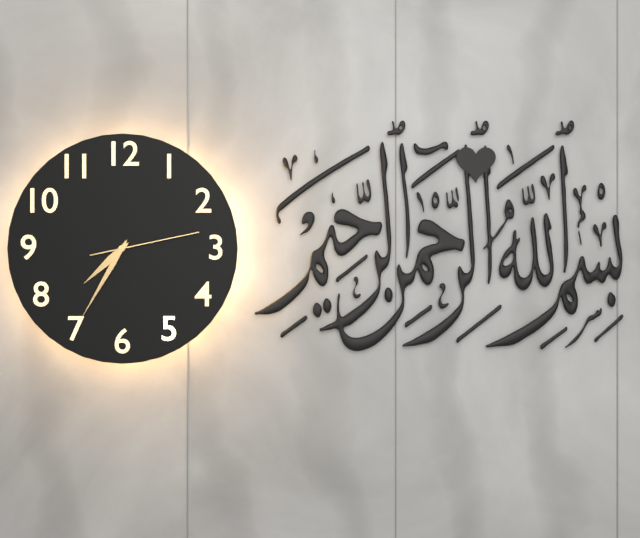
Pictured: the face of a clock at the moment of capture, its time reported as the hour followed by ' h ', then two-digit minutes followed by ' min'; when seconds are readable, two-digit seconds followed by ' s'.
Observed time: 7 h 35 min 13 s
